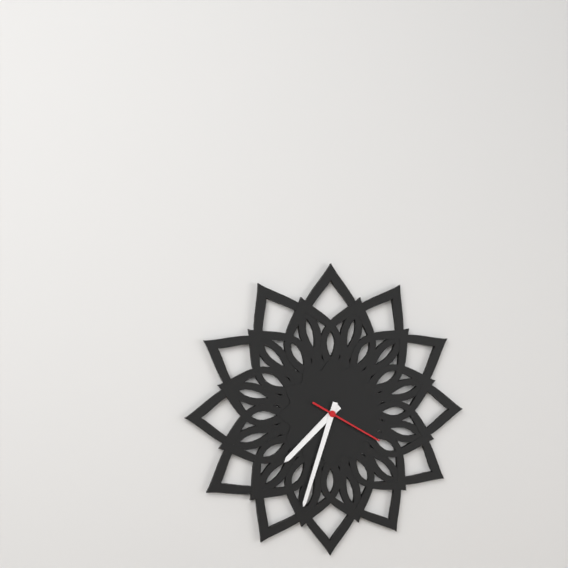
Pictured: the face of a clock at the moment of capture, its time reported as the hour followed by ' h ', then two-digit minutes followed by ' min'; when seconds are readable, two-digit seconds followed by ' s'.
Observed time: 7 h 33 min 20 s
